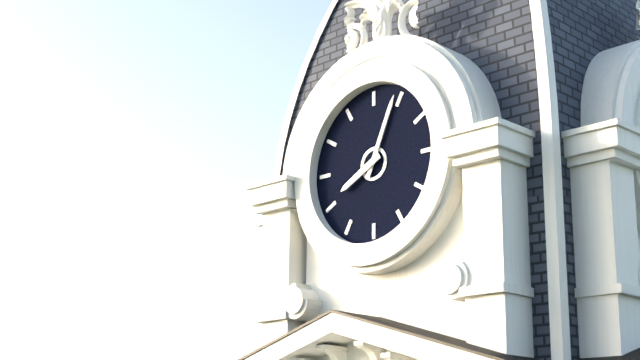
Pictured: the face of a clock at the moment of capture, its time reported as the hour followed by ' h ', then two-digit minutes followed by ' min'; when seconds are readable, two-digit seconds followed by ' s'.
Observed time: 8 h 04 min
